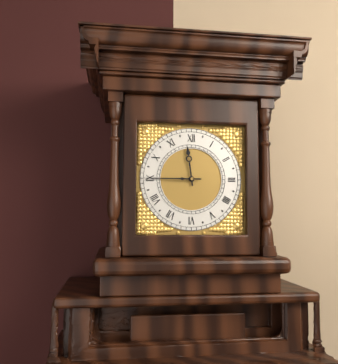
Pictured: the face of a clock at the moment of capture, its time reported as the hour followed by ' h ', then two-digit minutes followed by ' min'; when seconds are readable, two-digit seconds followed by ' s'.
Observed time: 11 h 45 min
